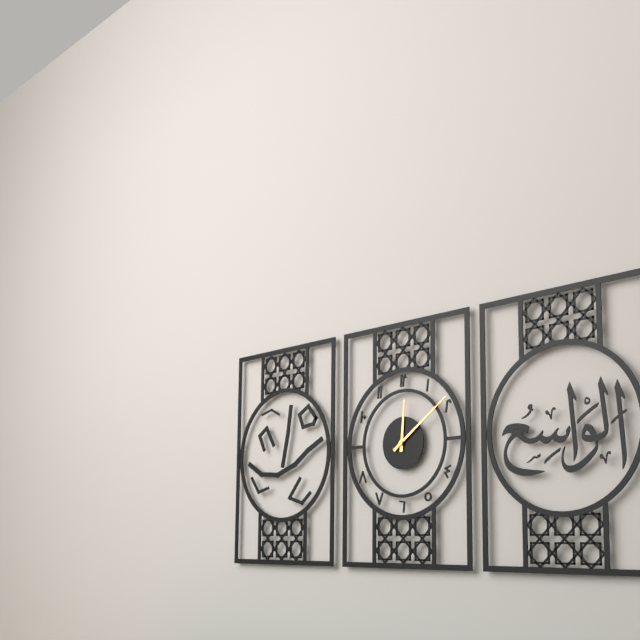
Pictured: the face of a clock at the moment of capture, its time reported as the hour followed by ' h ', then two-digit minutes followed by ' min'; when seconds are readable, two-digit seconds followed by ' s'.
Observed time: 12 h 09 min
